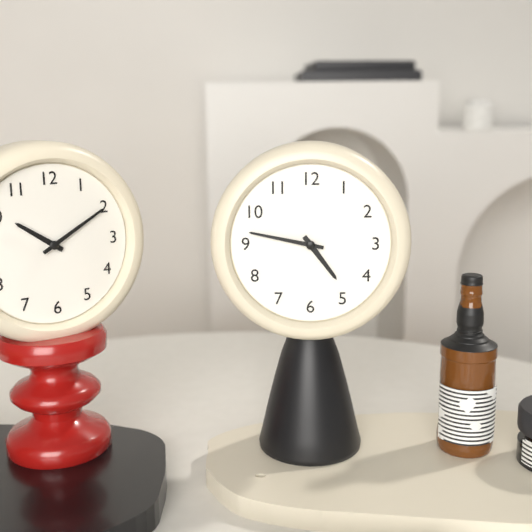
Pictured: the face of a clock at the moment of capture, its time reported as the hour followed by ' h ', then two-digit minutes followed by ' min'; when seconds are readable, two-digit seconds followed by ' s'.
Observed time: 4 h 47 min
